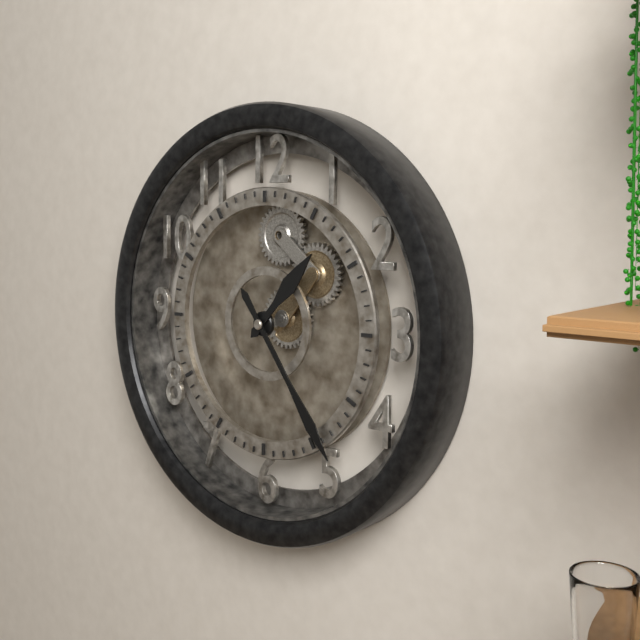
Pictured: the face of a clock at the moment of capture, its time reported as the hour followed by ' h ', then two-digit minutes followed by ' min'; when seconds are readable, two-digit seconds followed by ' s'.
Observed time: 1 h 24 min
